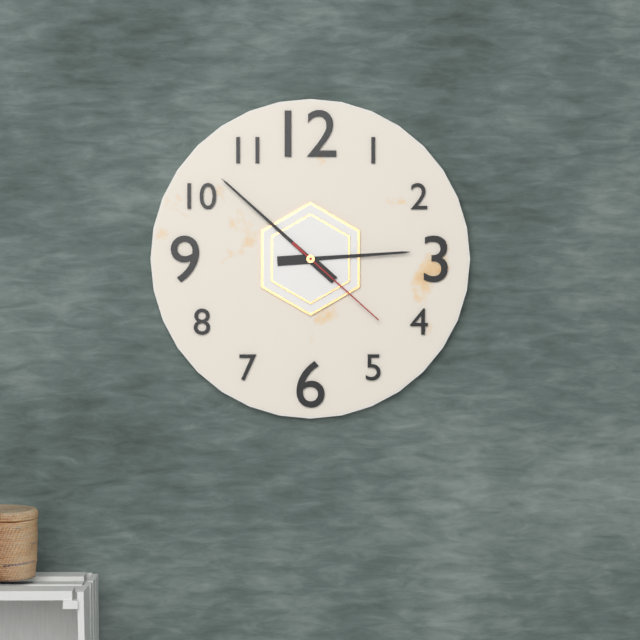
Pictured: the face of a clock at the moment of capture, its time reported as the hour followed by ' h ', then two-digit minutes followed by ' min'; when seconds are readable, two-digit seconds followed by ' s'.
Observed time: 2 h 52 min 22 s
